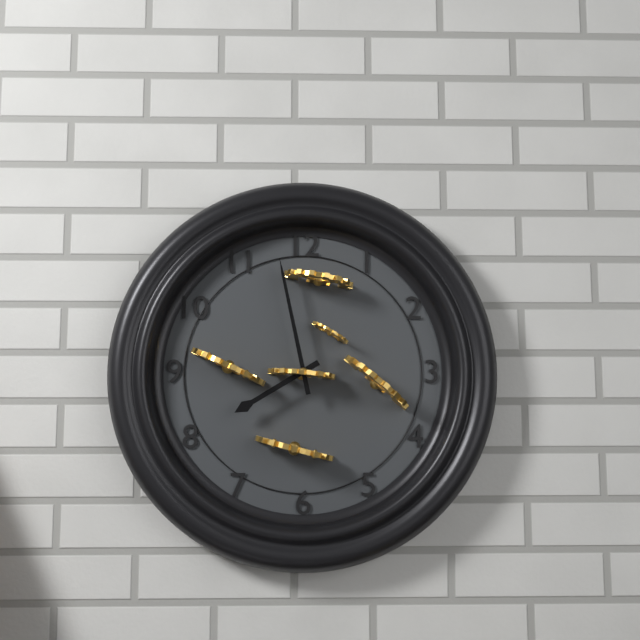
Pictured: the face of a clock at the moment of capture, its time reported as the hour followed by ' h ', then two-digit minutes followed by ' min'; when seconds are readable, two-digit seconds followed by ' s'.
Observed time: 7 h 58 min
